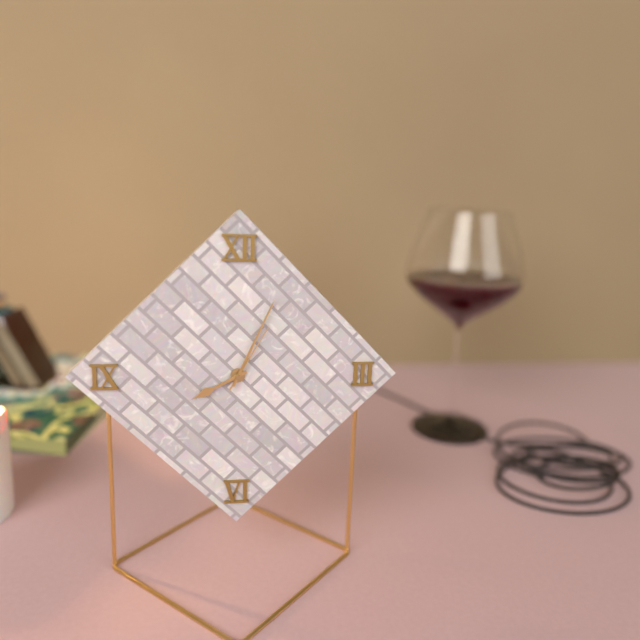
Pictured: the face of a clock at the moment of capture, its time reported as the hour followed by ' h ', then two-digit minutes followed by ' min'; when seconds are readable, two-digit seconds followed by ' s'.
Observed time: 8 h 04 min 05 s
